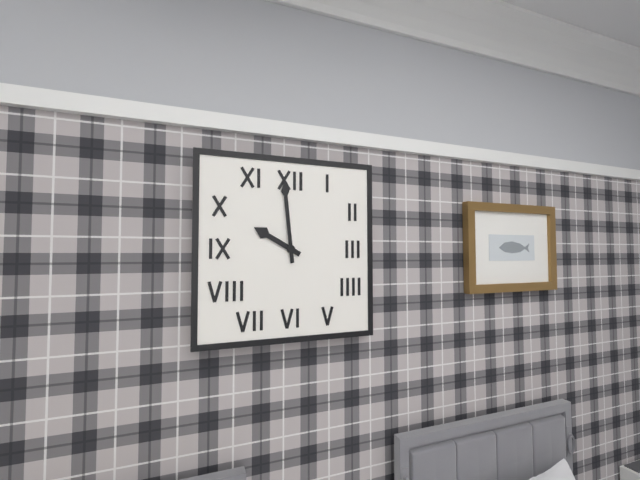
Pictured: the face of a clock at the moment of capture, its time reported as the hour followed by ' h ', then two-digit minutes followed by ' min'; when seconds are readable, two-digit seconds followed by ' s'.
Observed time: 9 h 59 min
